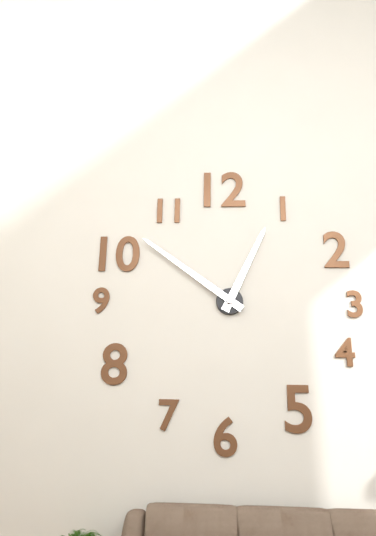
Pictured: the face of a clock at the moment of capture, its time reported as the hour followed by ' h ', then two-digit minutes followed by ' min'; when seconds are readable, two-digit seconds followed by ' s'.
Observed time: 12 h 51 min
